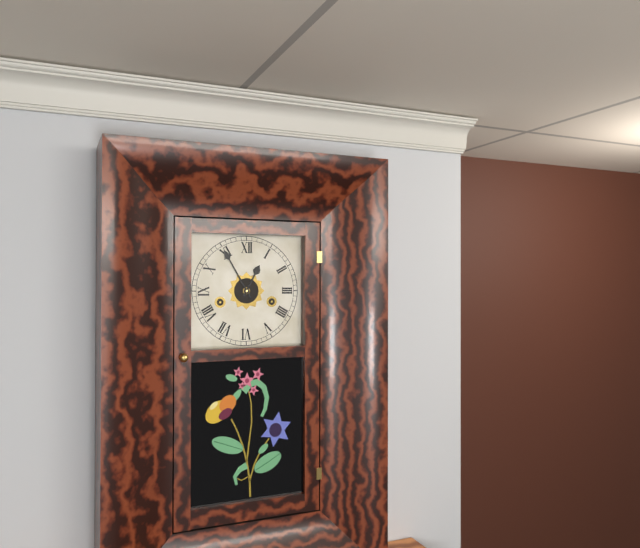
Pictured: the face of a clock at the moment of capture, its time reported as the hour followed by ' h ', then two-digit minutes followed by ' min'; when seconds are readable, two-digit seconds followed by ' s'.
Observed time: 12 h 55 min
